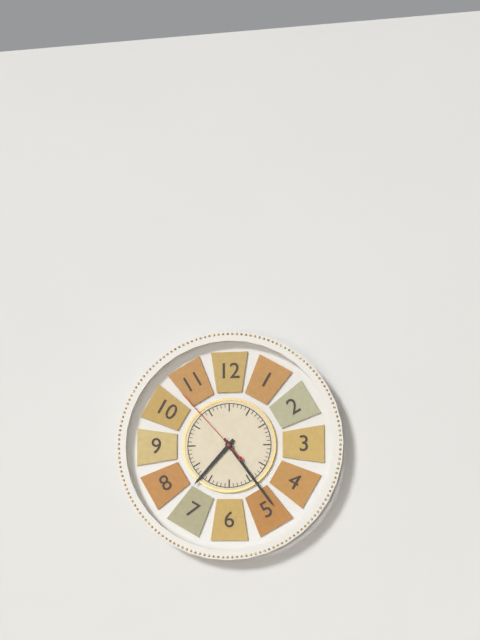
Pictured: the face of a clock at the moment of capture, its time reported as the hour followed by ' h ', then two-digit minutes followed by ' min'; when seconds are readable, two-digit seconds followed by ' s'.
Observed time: 7 h 24 min 53 s
